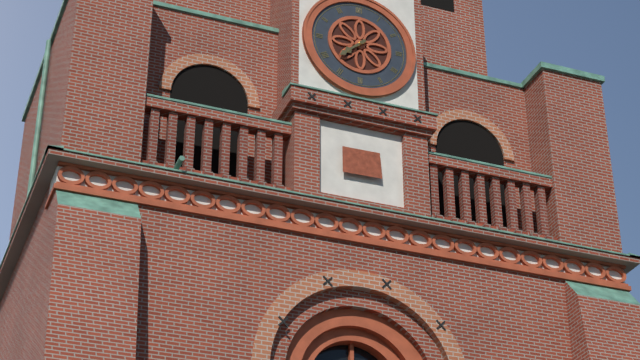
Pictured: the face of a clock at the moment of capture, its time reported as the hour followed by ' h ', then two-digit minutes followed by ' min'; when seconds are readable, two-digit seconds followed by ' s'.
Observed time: 7 h 38 min
